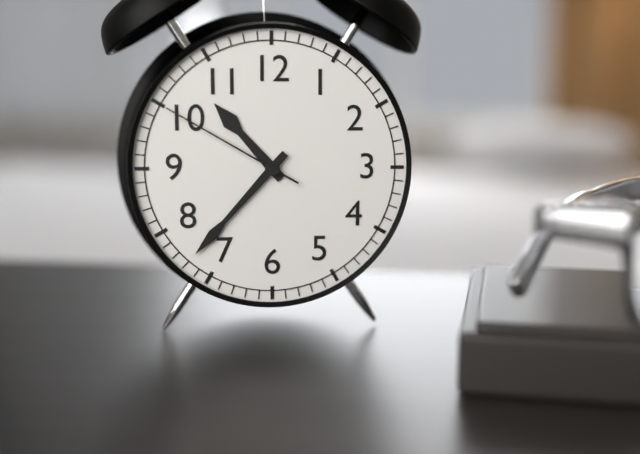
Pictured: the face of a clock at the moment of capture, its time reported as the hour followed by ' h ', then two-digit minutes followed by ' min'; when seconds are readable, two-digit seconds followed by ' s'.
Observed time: 10 h 37 min 50 s
